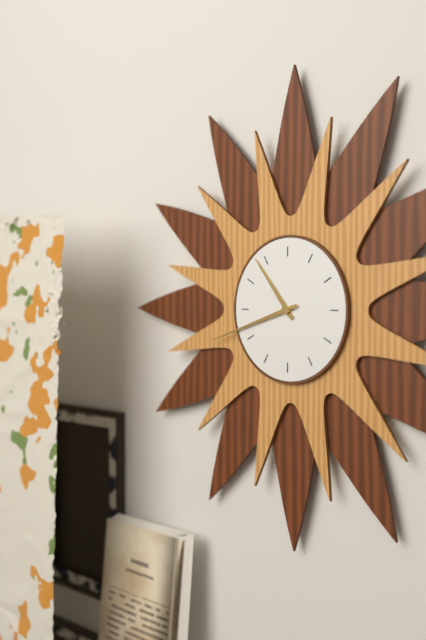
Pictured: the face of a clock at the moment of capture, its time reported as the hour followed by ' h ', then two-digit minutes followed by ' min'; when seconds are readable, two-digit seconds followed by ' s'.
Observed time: 10 h 42 min
